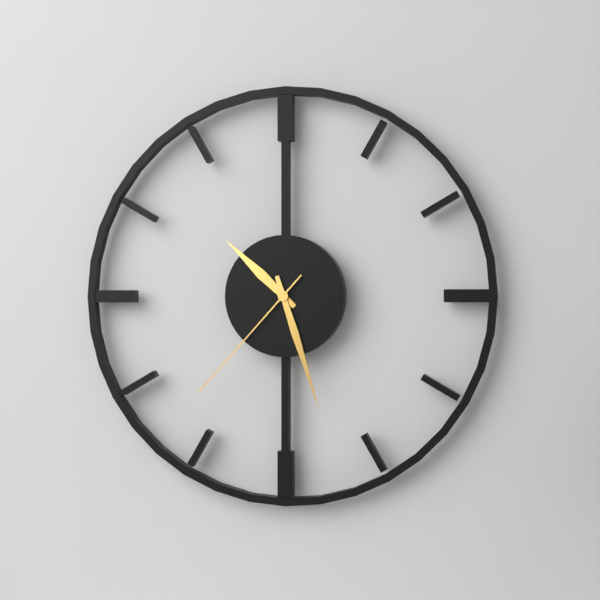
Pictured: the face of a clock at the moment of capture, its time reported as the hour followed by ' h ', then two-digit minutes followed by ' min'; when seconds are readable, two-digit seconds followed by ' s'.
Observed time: 10 h 27 min 37 s
